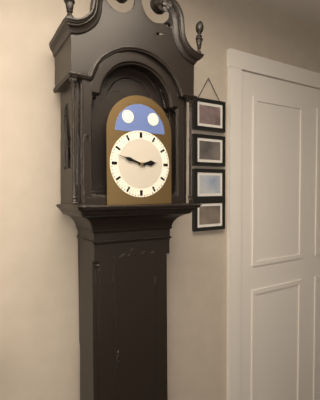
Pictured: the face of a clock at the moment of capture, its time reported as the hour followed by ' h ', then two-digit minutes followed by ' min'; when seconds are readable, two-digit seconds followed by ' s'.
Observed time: 2 h 48 min
